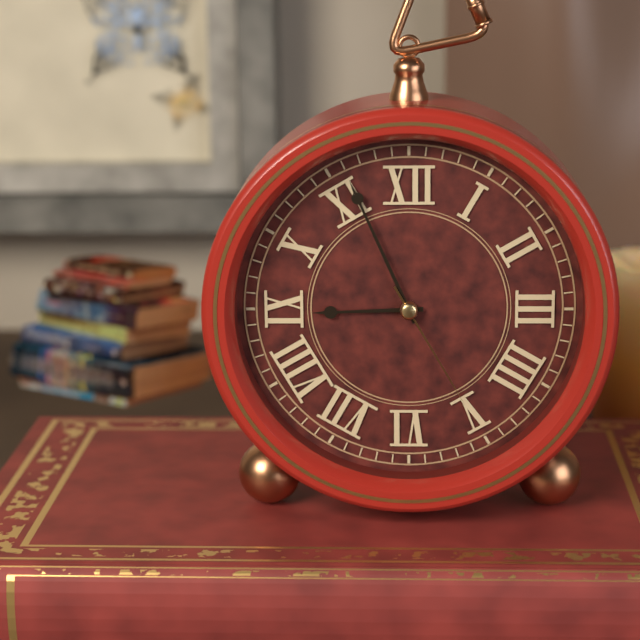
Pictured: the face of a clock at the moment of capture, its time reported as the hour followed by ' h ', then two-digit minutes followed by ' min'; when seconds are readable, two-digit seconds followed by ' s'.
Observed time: 8 h 56 min 25 s
